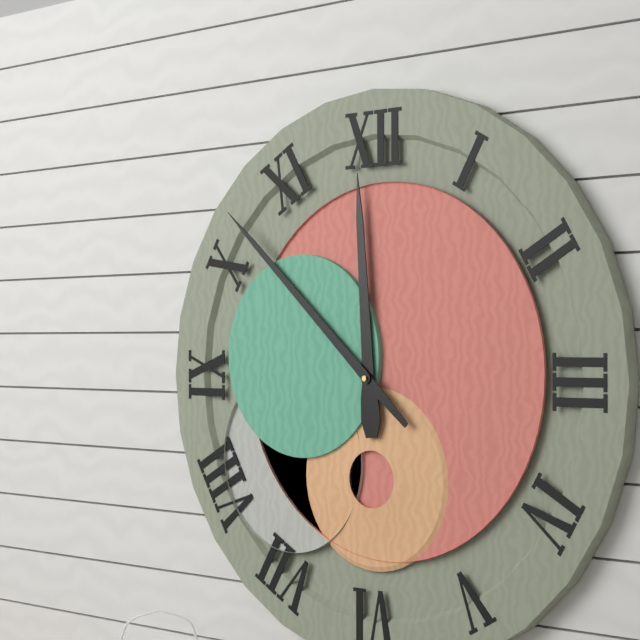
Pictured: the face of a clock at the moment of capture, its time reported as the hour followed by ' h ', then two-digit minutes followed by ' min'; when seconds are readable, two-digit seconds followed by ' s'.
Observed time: 11 h 52 min
